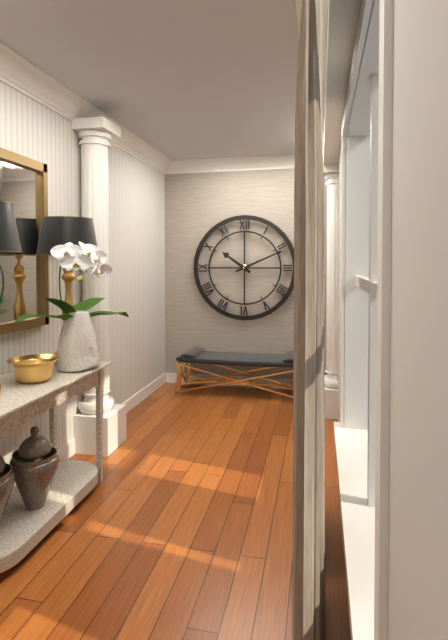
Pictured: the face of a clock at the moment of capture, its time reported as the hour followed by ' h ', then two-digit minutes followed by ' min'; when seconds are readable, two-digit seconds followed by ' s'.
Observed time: 10 h 11 min
